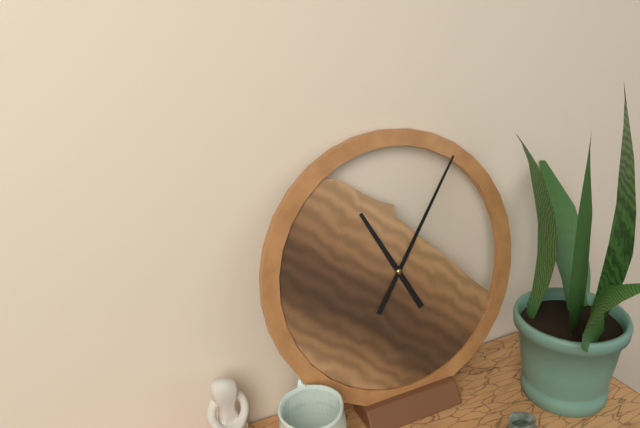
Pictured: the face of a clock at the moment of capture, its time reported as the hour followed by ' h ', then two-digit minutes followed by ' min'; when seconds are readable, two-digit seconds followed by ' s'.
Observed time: 11 h 06 min
